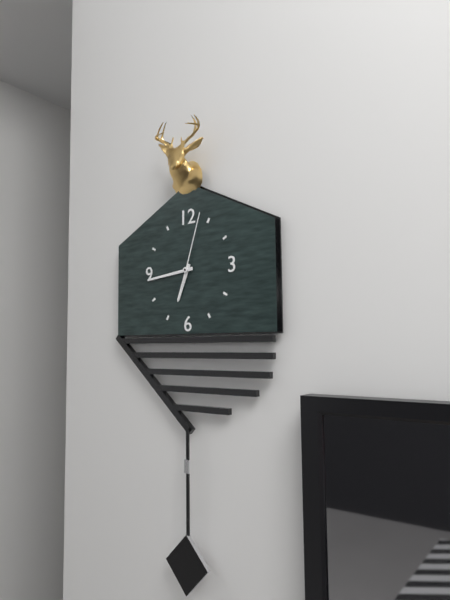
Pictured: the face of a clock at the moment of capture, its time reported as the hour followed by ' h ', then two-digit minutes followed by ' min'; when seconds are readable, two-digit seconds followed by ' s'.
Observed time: 6 h 44 min 03 s
